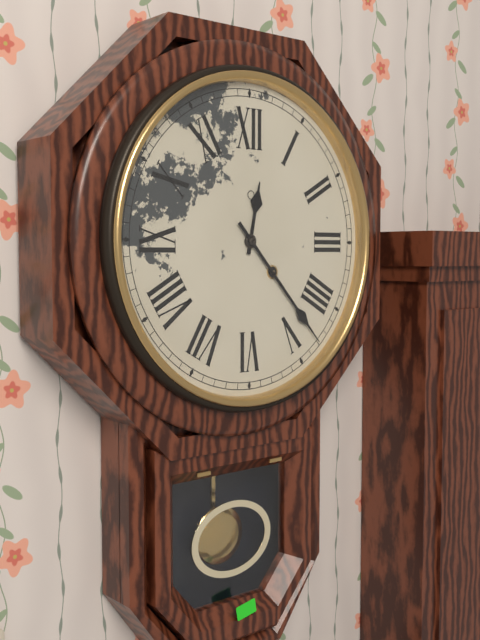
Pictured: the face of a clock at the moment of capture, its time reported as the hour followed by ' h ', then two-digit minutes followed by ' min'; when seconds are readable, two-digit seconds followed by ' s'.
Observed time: 12 h 23 min
